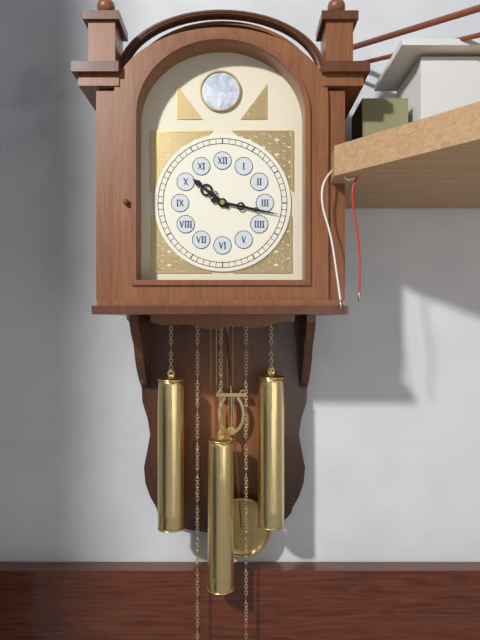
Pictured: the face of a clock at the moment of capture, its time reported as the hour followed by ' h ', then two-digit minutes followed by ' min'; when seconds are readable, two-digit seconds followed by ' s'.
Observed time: 10 h 17 min
